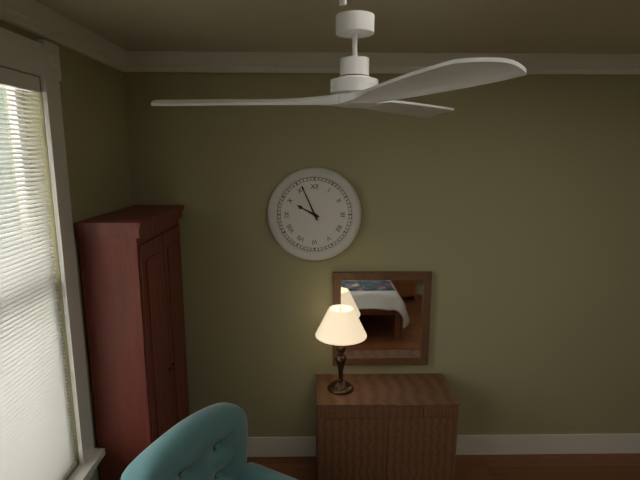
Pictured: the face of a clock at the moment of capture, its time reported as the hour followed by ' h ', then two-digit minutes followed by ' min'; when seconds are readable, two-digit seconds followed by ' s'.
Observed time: 9 h 56 min
